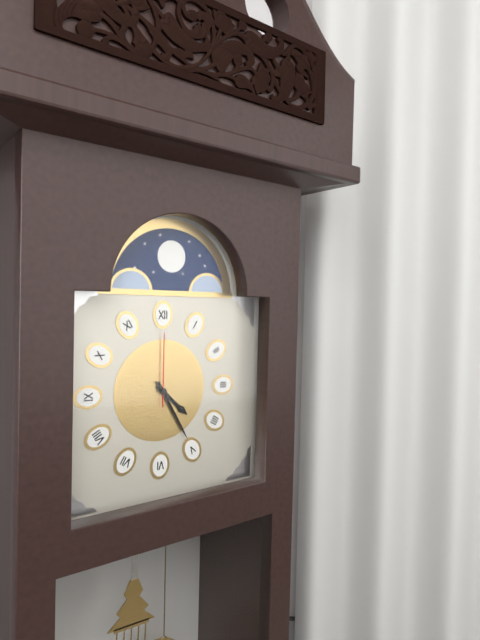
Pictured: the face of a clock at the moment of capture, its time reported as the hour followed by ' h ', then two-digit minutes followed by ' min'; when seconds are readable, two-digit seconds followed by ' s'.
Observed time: 4 h 25 min 00 s
